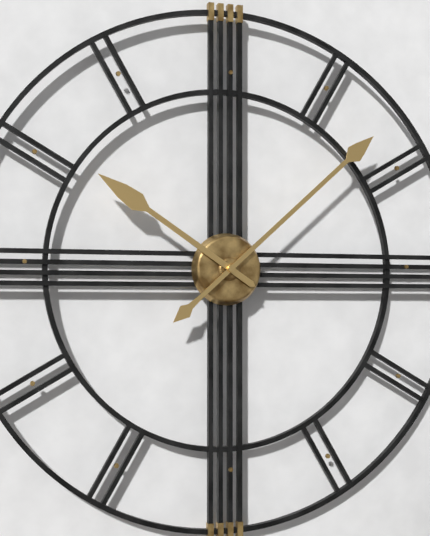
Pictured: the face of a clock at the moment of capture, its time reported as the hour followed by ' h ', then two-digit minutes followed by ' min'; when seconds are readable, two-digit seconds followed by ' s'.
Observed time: 10 h 08 min
